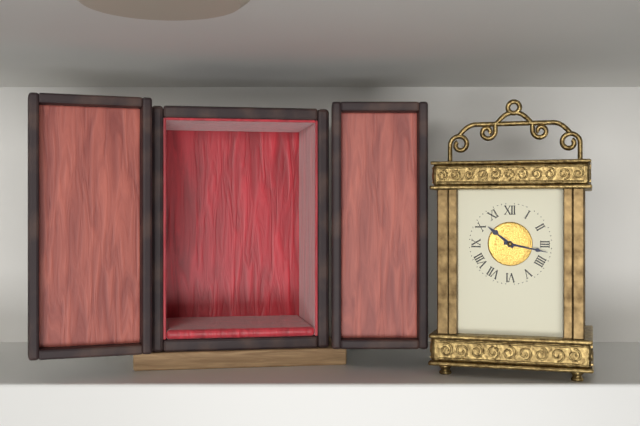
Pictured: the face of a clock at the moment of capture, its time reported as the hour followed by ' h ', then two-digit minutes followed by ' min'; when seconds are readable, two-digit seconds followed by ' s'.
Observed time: 10 h 17 min
